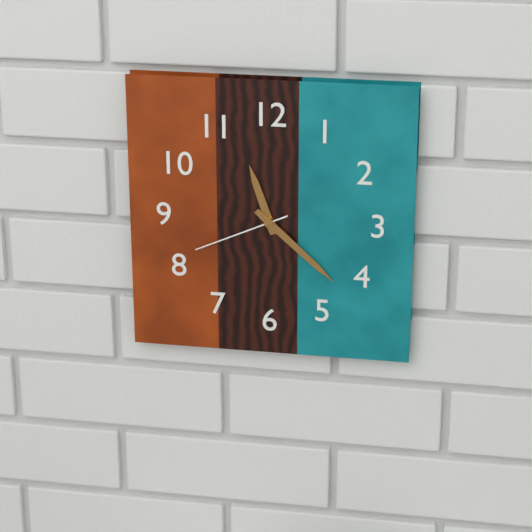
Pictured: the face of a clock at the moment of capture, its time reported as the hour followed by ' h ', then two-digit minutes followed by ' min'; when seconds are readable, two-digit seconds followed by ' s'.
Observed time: 11 h 22 min 41 s
